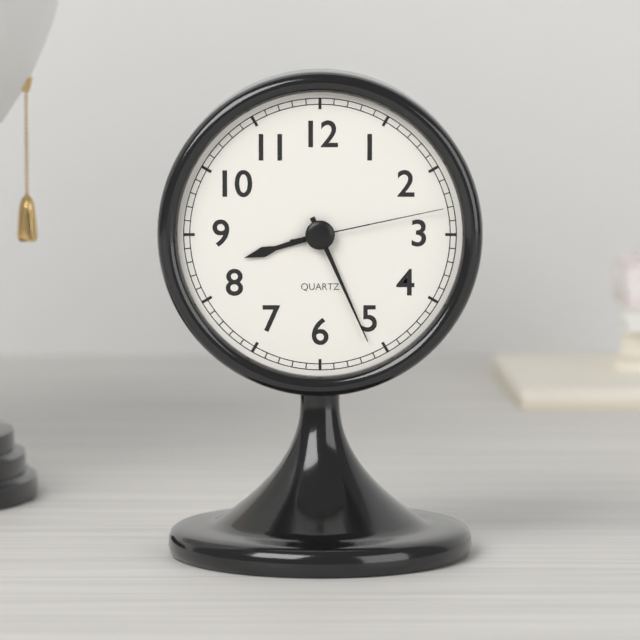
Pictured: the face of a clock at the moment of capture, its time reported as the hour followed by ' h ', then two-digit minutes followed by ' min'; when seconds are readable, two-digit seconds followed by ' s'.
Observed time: 8 h 26 min 13 s
